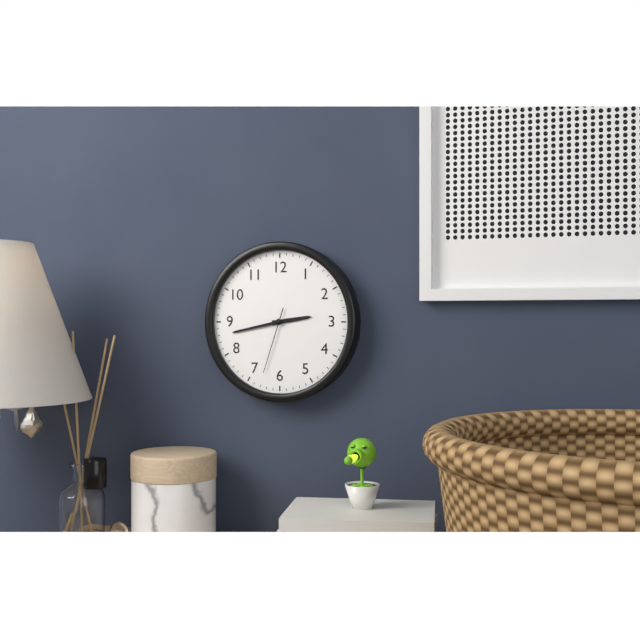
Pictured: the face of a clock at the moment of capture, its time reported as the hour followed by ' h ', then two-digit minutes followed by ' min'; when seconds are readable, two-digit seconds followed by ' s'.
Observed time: 2 h 43 min 33 s
